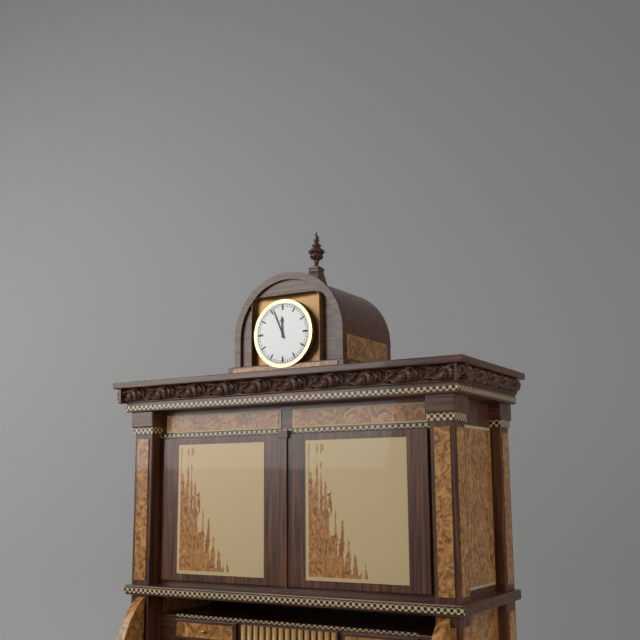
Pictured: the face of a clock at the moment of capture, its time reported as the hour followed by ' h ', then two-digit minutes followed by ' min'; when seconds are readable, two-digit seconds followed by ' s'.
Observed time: 11 h 56 min
